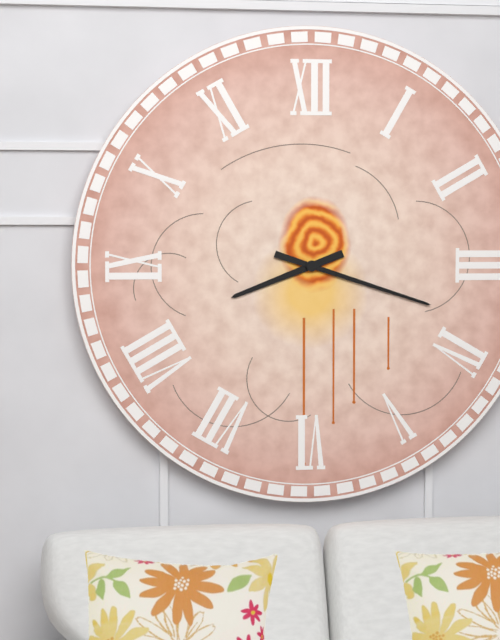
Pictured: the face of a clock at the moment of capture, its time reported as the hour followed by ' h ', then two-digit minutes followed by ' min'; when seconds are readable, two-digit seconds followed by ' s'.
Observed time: 8 h 18 min
